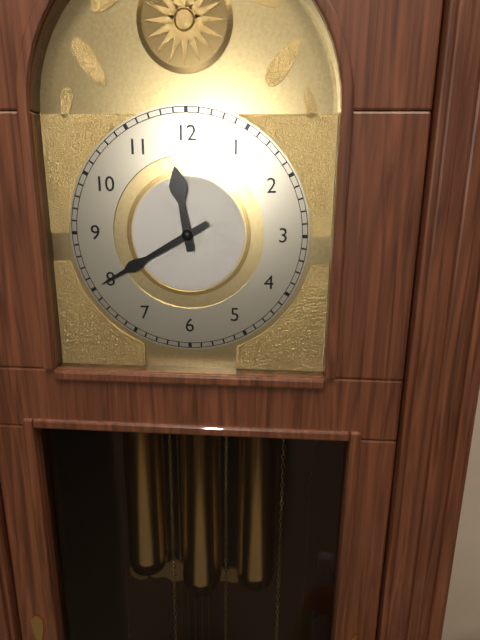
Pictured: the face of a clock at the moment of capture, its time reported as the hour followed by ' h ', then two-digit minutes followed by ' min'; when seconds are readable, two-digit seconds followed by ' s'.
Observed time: 11 h 40 min
